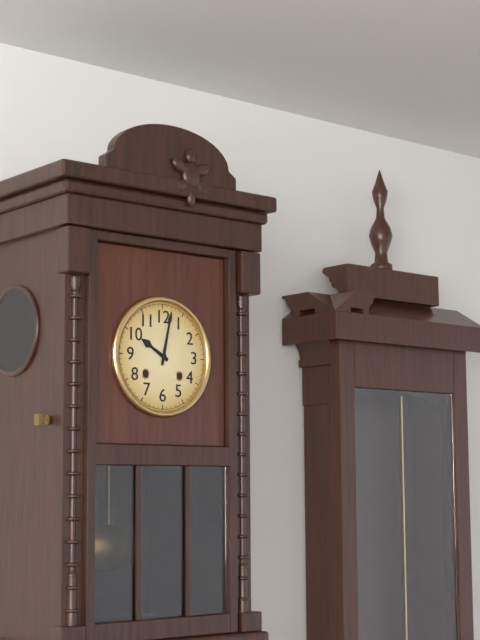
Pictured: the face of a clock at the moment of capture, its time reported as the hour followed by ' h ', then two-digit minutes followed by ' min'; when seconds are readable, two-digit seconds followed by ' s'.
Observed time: 10 h 02 min
